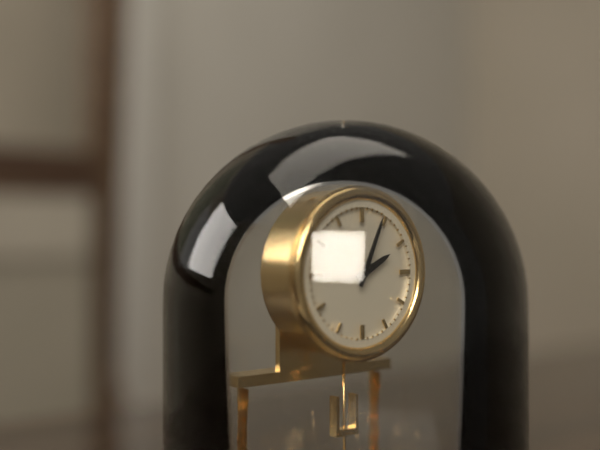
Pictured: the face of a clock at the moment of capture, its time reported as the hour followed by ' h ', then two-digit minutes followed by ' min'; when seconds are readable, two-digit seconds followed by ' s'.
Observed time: 2 h 04 min
